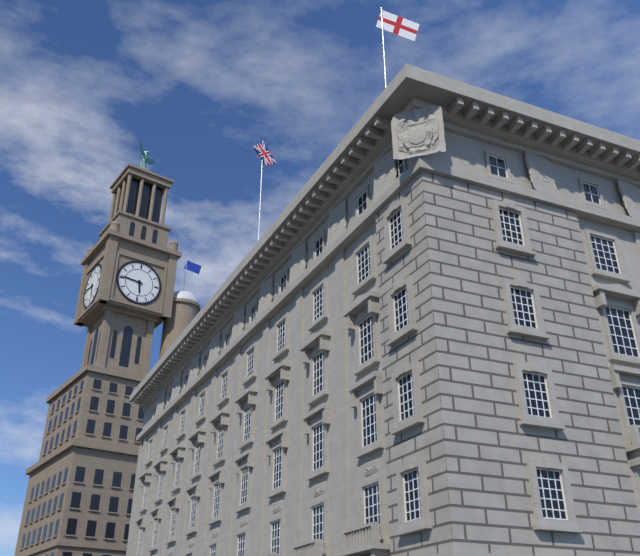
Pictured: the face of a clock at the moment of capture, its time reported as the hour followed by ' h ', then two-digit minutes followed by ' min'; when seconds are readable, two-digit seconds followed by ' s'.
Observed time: 5 h 46 min
